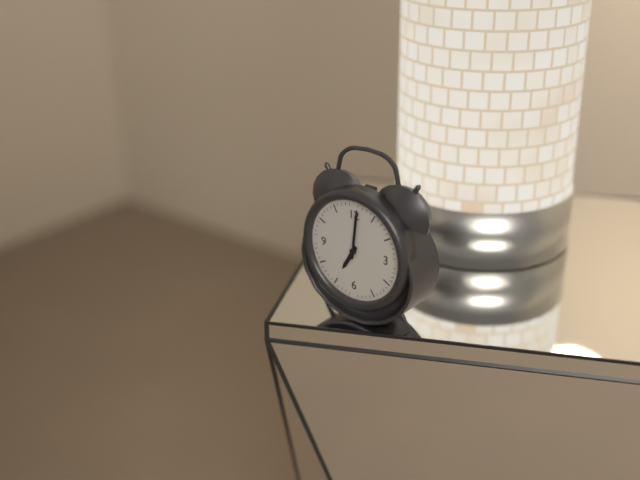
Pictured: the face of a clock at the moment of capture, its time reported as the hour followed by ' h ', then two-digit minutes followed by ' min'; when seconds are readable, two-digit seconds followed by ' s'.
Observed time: 7 h 01 min
